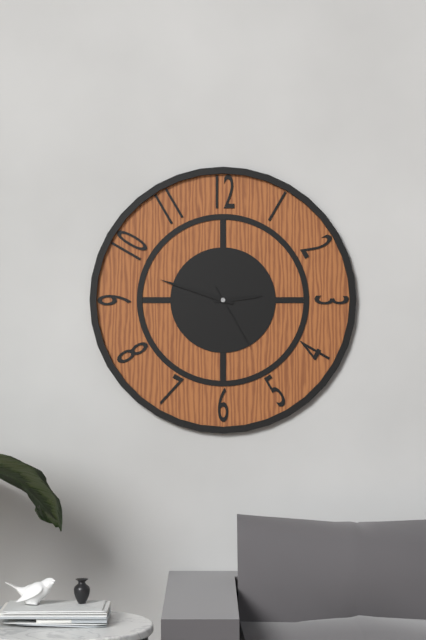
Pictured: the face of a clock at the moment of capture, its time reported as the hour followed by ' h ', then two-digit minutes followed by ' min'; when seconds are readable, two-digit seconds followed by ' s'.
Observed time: 2 h 48 min 25 s
